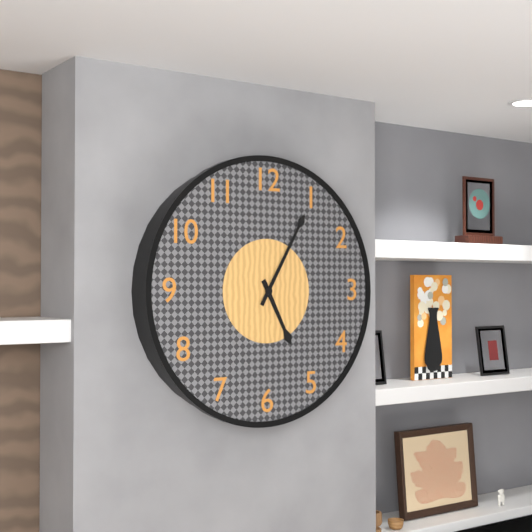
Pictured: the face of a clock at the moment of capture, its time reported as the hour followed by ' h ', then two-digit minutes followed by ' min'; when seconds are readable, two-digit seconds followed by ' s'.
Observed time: 5 h 05 min
